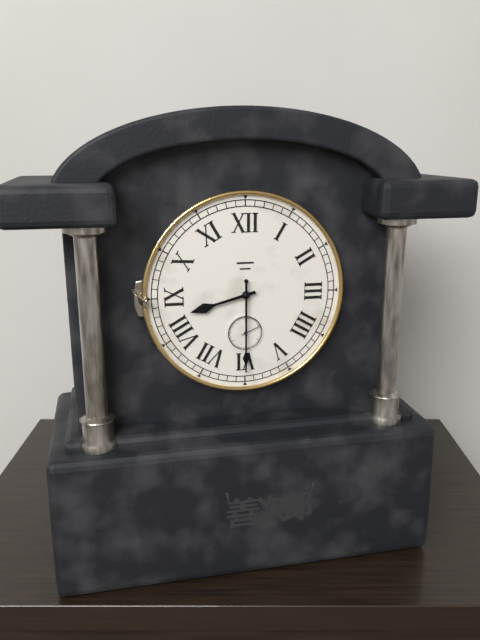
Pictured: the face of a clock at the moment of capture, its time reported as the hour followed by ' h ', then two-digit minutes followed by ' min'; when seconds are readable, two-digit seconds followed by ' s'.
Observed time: 8 h 30 min
